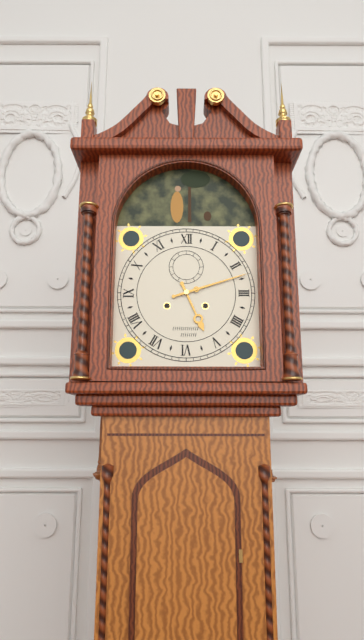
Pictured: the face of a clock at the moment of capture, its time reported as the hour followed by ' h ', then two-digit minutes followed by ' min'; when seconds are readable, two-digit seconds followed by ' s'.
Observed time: 5 h 12 min
